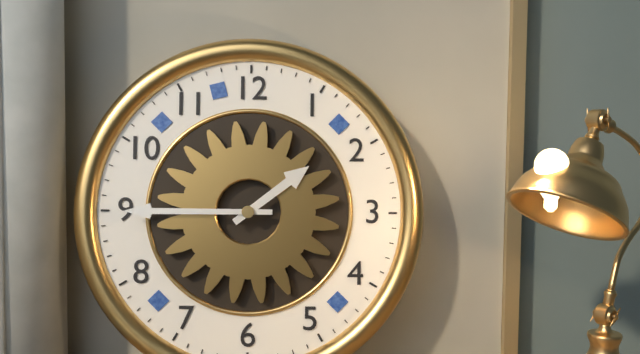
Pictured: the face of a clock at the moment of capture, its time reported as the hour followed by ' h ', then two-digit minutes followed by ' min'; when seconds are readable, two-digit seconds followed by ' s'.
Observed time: 1 h 45 min
